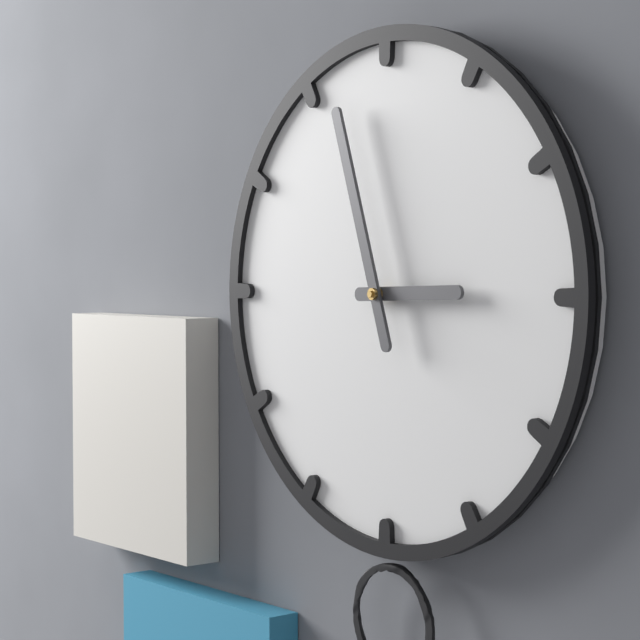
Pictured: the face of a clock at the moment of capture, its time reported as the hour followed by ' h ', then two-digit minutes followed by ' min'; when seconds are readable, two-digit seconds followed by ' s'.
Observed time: 2 h 57 min
